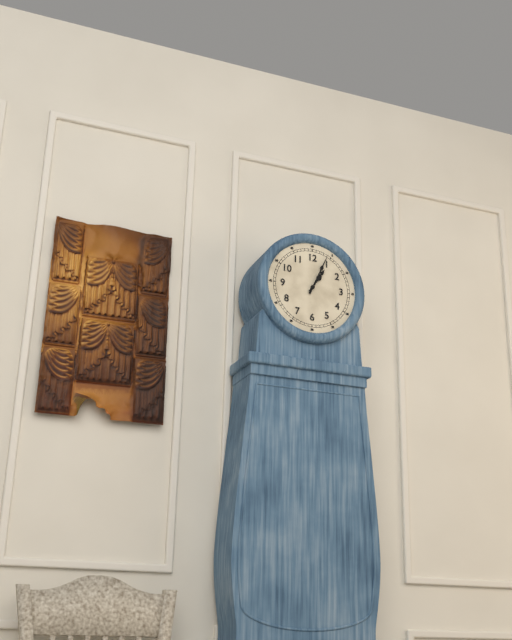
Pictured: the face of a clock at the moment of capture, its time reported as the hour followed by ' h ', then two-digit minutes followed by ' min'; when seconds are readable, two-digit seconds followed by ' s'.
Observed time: 1 h 04 min
